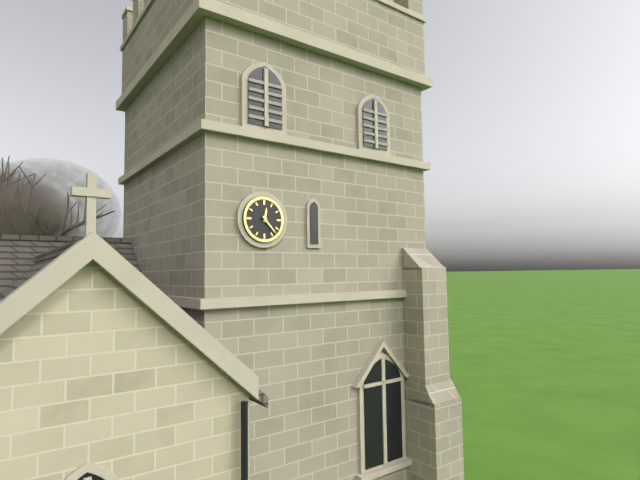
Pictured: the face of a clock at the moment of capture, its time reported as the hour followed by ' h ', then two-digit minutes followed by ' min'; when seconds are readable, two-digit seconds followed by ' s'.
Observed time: 12 h 23 min
